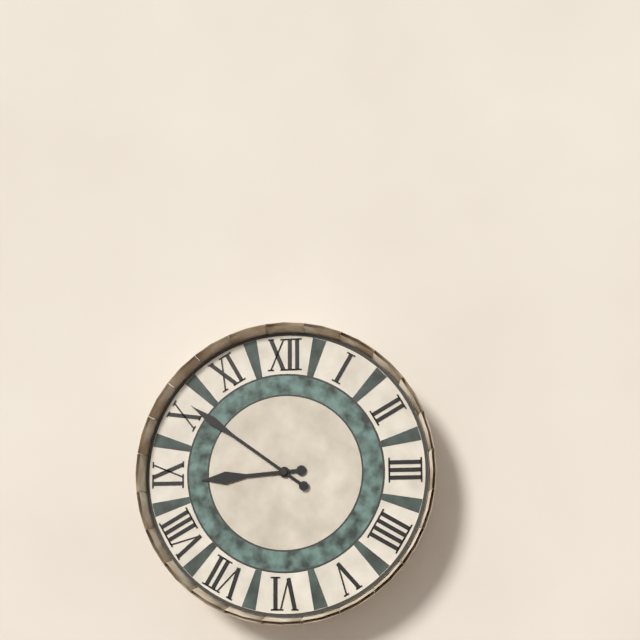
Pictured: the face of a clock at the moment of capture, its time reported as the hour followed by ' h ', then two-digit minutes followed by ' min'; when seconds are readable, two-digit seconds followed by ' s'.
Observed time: 8 h 51 min
